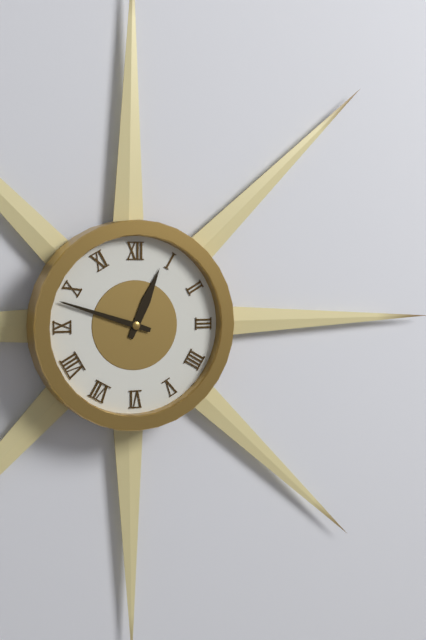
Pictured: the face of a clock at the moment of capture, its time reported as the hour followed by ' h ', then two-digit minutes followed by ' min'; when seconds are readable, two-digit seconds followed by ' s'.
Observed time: 12 h 48 min
